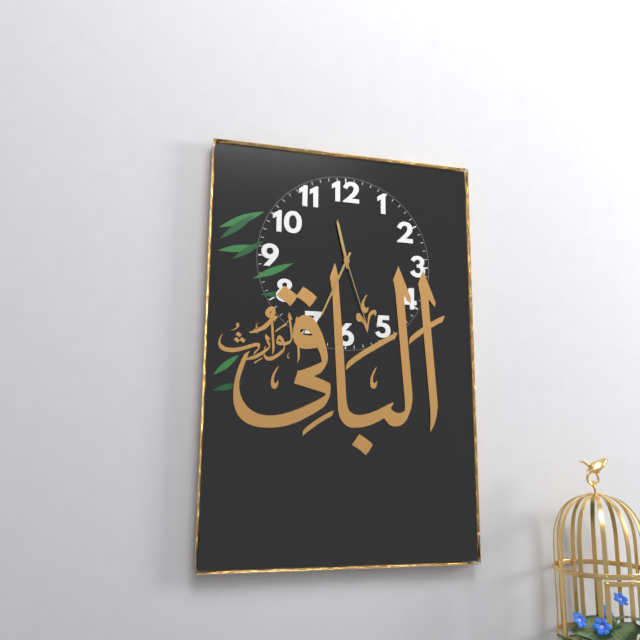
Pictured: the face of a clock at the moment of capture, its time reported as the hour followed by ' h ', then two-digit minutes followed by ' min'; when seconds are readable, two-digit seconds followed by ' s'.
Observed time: 11 h 34 min 27 s
